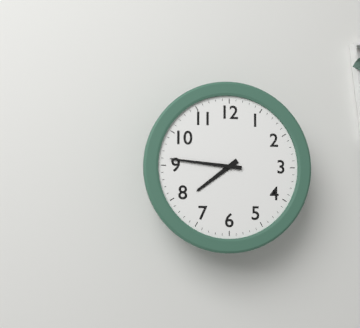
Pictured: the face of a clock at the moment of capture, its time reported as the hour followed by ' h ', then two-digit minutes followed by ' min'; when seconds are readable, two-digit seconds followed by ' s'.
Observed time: 7 h 46 min
